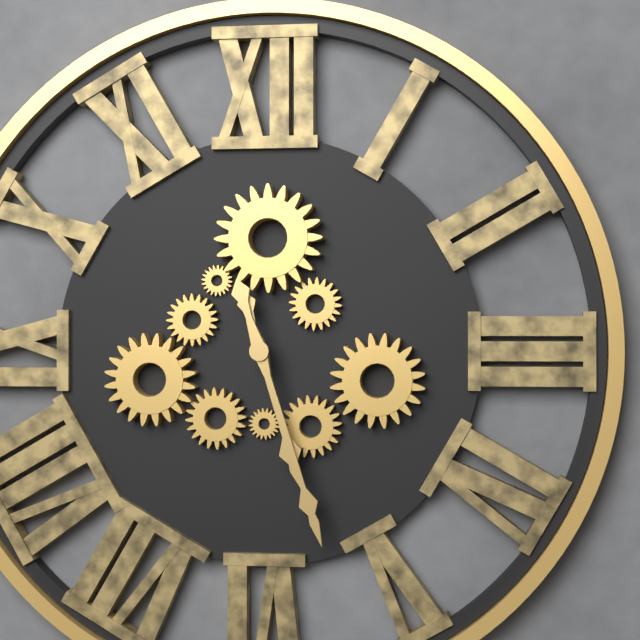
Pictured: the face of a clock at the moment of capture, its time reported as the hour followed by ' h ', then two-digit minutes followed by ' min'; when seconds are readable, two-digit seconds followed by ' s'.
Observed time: 5 h 27 min
